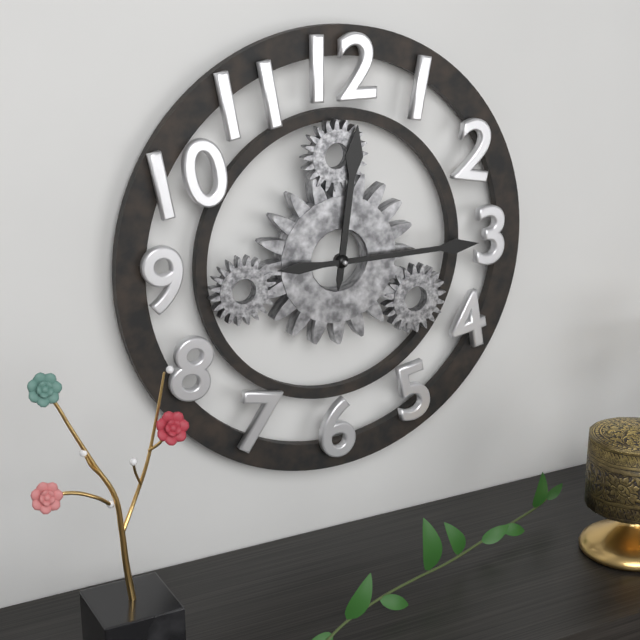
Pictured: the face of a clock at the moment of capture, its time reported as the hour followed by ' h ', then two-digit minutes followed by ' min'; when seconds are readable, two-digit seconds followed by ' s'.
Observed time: 12 h 15 min
